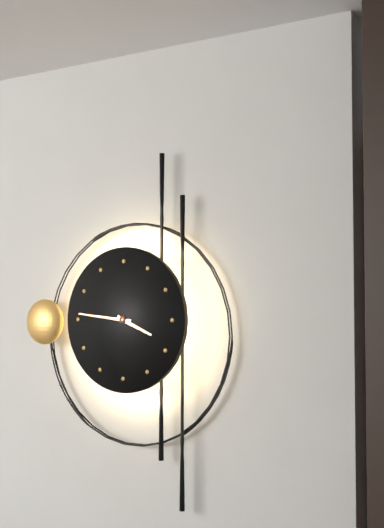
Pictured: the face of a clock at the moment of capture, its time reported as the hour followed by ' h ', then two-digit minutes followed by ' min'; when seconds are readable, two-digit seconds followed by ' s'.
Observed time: 3 h 46 min
